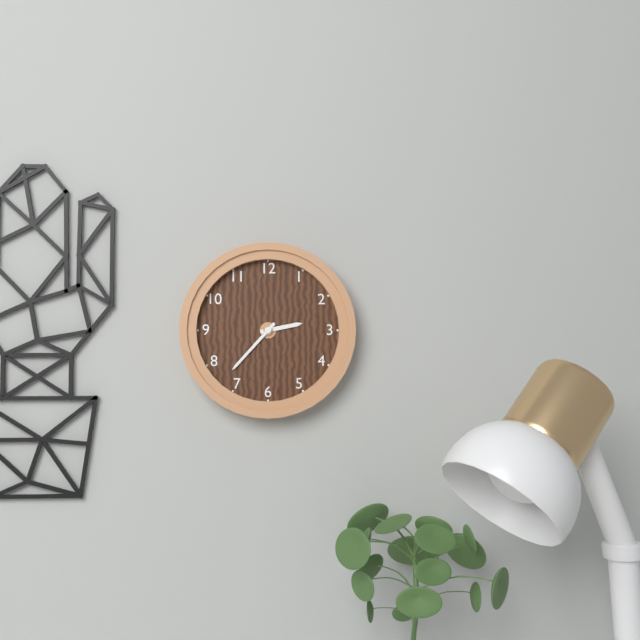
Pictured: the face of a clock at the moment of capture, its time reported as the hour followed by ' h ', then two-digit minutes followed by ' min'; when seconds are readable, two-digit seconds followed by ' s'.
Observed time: 2 h 37 min
